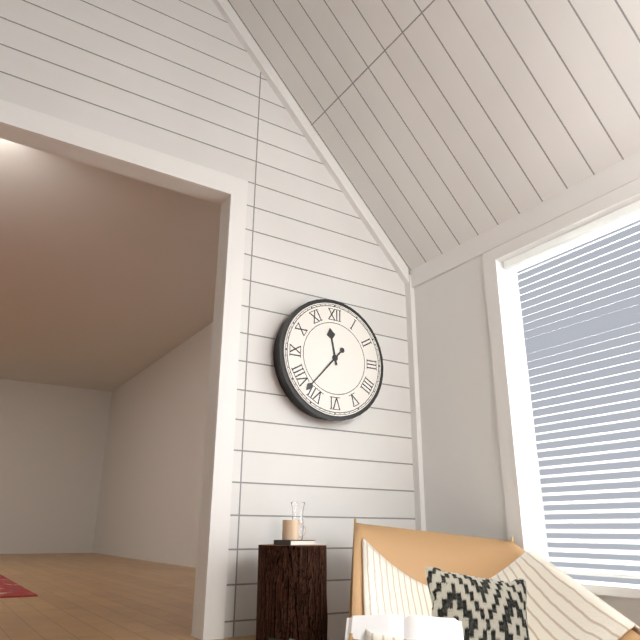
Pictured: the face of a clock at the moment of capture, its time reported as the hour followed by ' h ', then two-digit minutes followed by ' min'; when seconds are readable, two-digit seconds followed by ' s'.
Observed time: 11 h 37 min
